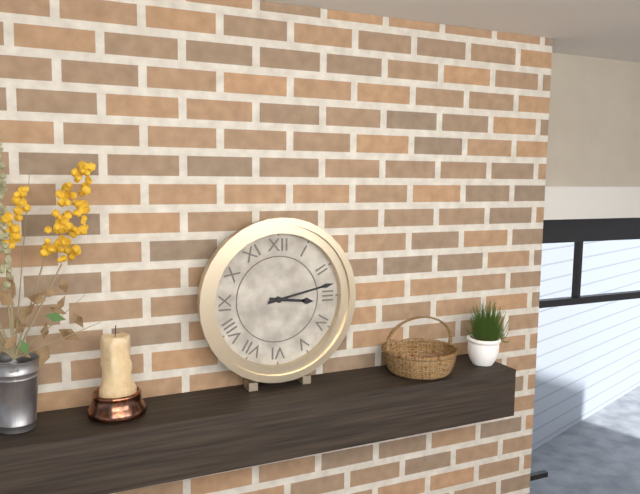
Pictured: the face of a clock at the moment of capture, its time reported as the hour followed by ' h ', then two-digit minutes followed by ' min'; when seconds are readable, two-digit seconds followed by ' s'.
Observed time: 3 h 13 min
